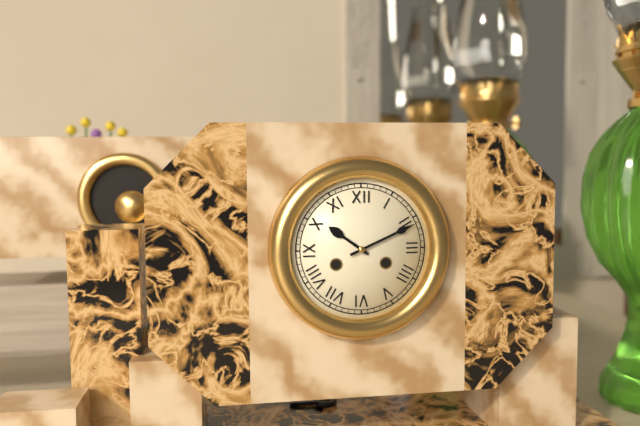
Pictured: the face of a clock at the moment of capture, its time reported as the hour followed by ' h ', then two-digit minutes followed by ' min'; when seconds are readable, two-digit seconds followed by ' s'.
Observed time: 10 h 11 min
